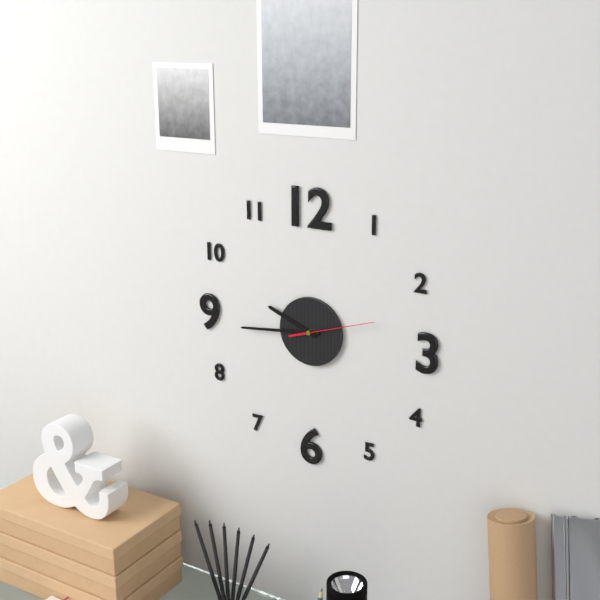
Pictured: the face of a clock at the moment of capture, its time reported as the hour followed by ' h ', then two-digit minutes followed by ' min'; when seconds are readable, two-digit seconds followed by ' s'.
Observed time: 9 h 44 min 12 s
